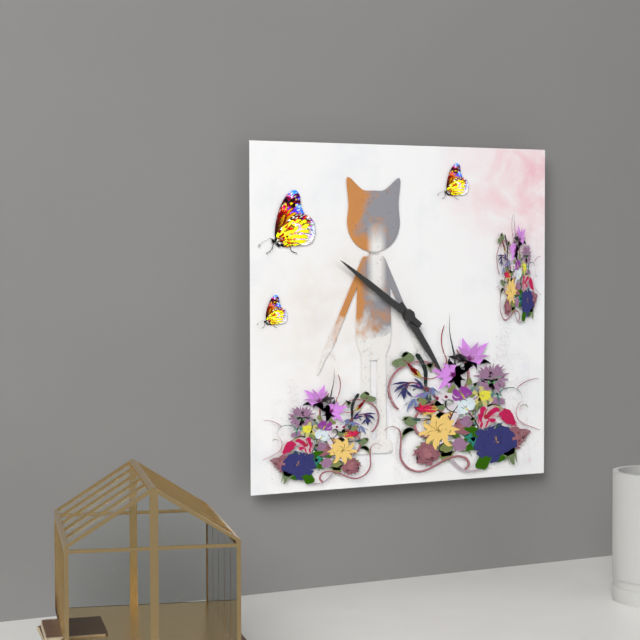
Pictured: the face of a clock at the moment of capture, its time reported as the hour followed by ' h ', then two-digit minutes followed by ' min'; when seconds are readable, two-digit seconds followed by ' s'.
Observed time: 4 h 51 min
